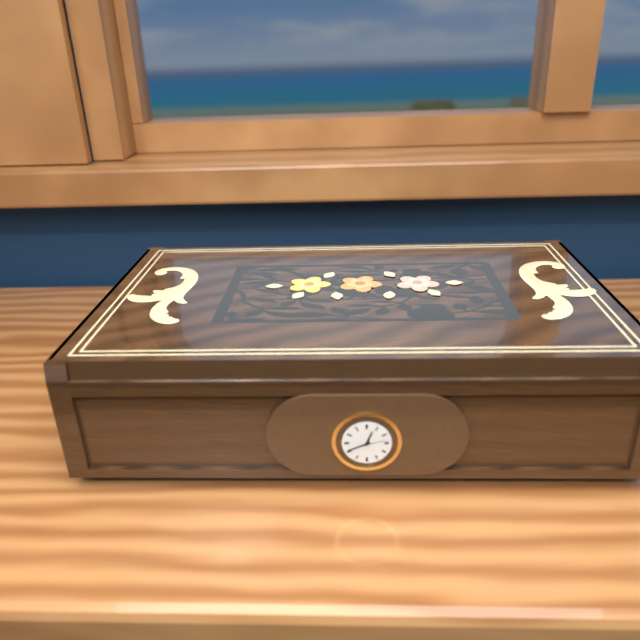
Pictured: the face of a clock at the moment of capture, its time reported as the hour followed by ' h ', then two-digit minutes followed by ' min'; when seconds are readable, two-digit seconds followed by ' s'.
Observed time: 12 h 41 min 13 s
